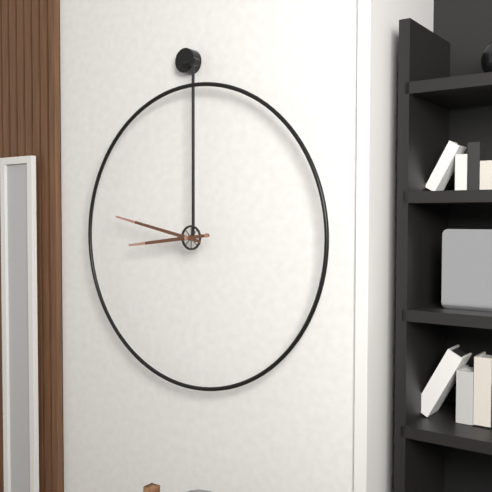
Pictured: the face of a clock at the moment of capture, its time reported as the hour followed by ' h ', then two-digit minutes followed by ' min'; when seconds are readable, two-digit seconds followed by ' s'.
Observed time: 8 h 47 min
